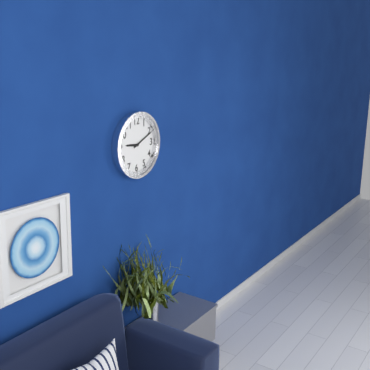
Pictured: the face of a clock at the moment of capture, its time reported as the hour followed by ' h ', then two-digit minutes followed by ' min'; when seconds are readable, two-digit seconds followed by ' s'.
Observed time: 9 h 11 min
